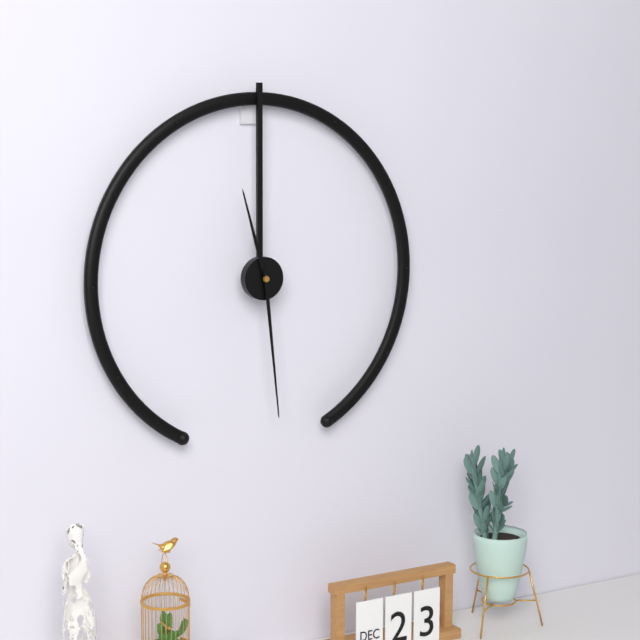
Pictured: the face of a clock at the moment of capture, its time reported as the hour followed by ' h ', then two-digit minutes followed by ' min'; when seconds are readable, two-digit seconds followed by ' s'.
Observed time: 11 h 29 min
